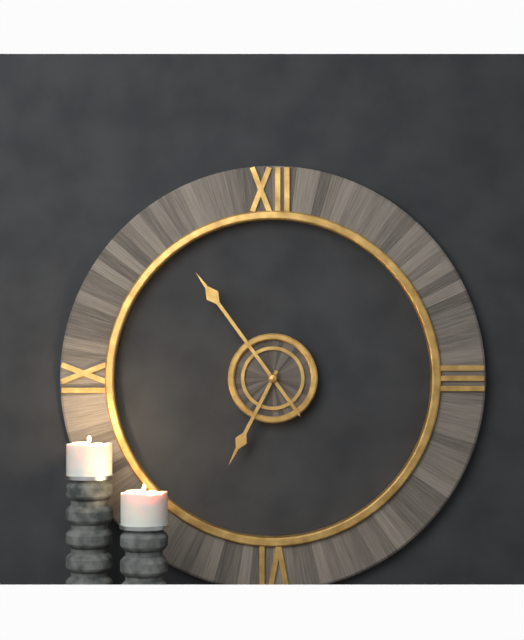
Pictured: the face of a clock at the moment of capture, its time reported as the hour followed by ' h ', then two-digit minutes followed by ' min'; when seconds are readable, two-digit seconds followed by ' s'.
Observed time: 6 h 54 min
